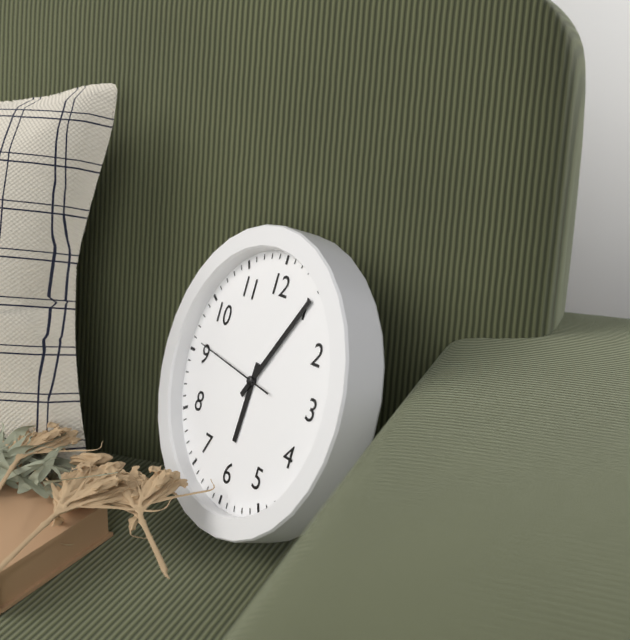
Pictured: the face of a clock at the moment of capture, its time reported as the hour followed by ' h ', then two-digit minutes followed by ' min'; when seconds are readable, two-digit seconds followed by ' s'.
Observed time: 6 h 05 min 46 s
